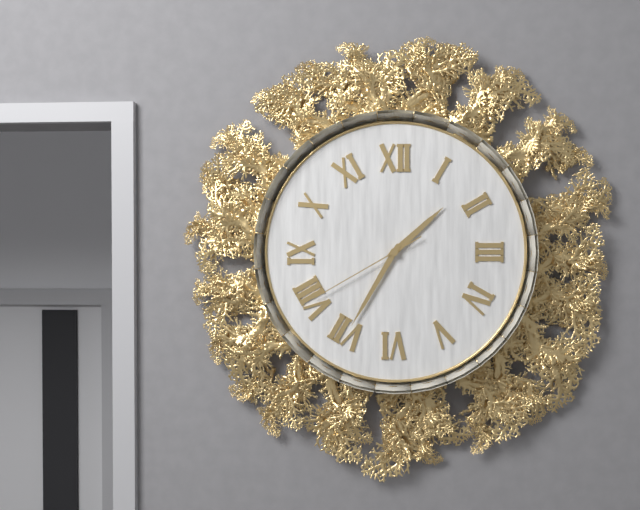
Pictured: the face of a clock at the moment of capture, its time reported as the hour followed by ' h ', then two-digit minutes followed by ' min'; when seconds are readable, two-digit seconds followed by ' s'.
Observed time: 1 h 35 min 40 s
